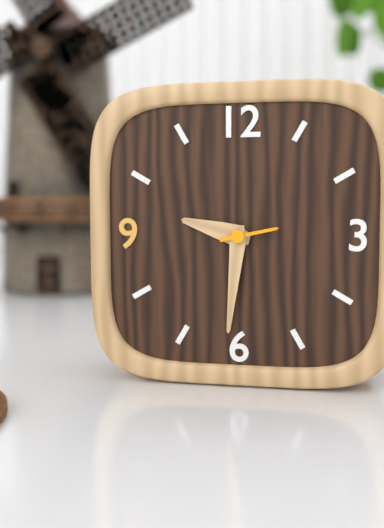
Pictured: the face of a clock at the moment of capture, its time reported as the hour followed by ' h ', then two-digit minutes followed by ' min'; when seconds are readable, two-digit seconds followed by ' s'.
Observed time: 9 h 31 min 13 s
